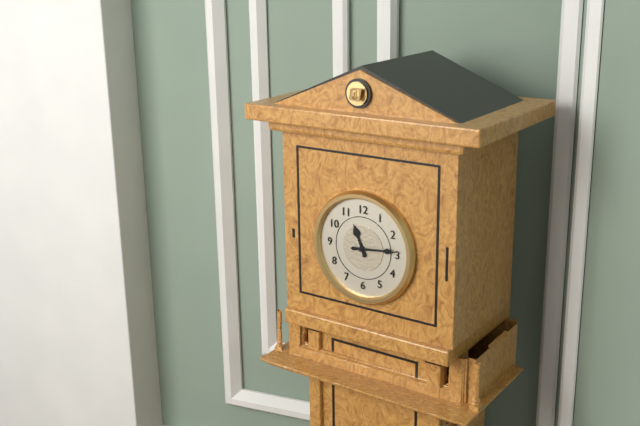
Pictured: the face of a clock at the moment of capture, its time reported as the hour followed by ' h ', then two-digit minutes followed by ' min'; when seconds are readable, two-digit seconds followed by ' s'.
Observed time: 11 h 14 min
